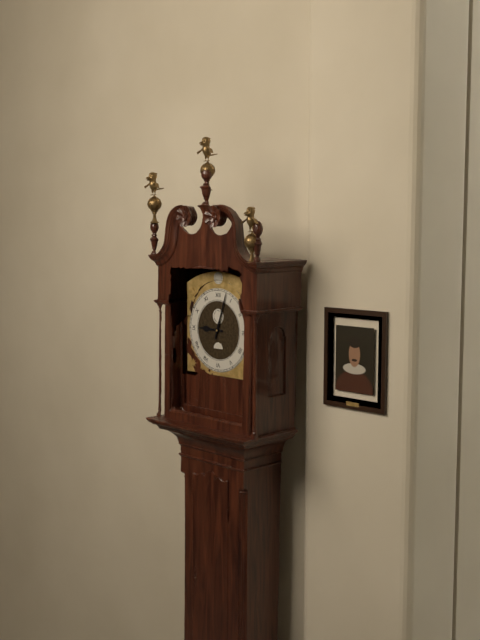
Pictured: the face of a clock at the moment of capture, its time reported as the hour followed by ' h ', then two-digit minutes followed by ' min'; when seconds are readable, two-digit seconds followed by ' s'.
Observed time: 9 h 03 min
